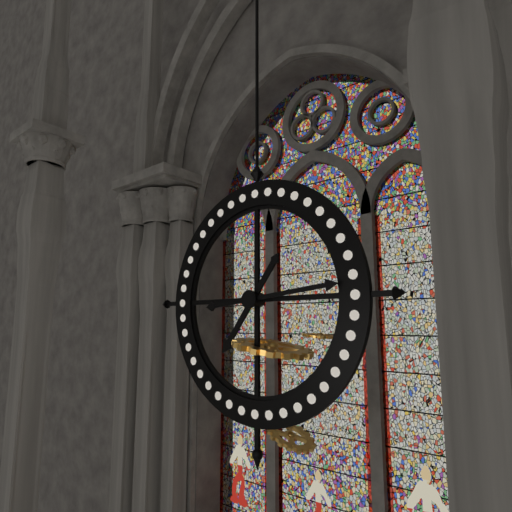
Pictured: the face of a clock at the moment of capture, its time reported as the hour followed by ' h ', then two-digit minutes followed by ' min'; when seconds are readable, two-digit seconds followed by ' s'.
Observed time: 7 h 14 min
